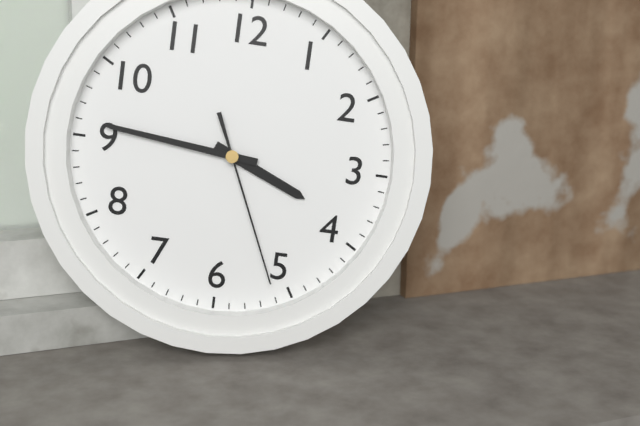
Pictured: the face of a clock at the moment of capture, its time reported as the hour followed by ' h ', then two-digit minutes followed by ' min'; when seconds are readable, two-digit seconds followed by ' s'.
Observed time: 3 h 46 min 26 s
